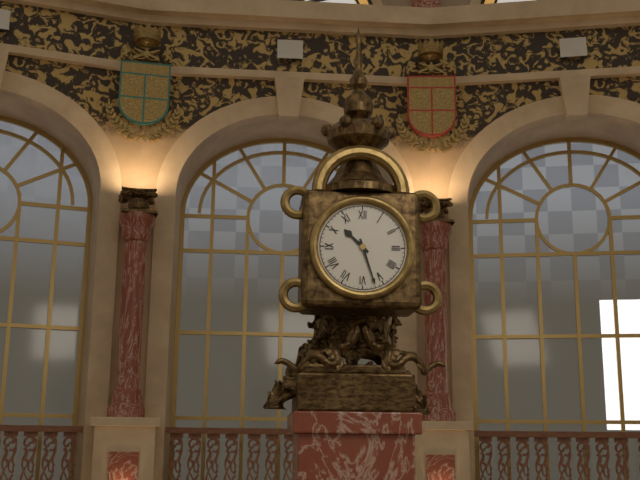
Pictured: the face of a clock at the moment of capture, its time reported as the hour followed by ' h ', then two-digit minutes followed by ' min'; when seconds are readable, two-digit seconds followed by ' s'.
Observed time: 10 h 27 min
